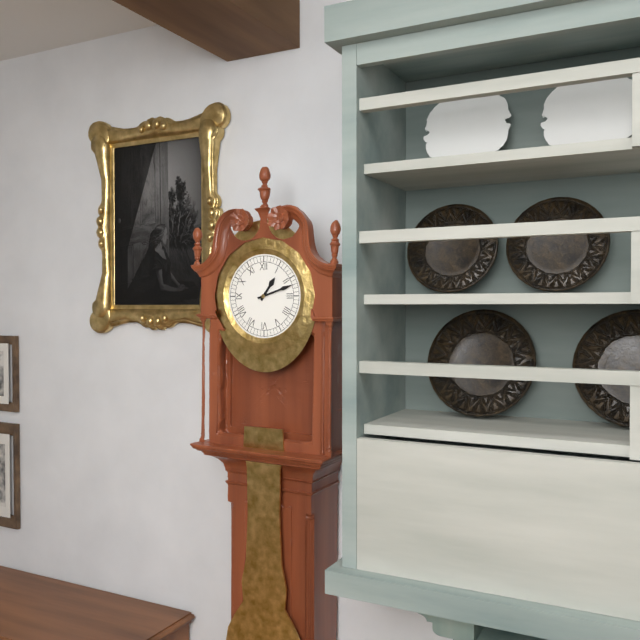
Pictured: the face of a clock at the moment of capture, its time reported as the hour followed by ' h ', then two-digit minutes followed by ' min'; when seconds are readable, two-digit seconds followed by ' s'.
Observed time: 1 h 12 min
